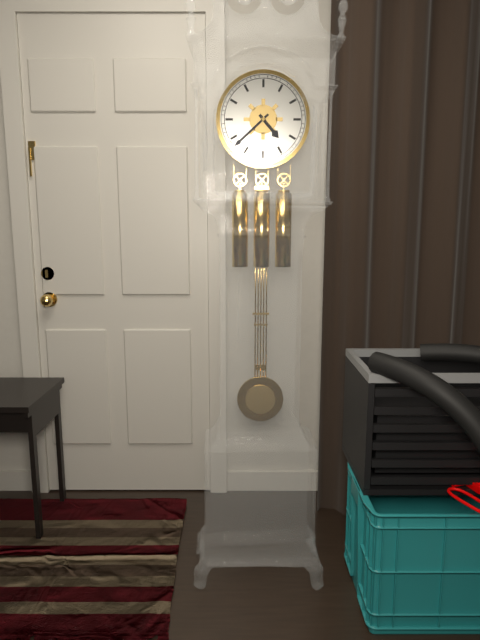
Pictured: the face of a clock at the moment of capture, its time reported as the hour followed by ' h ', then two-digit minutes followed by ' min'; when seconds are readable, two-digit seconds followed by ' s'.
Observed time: 4 h 38 min
